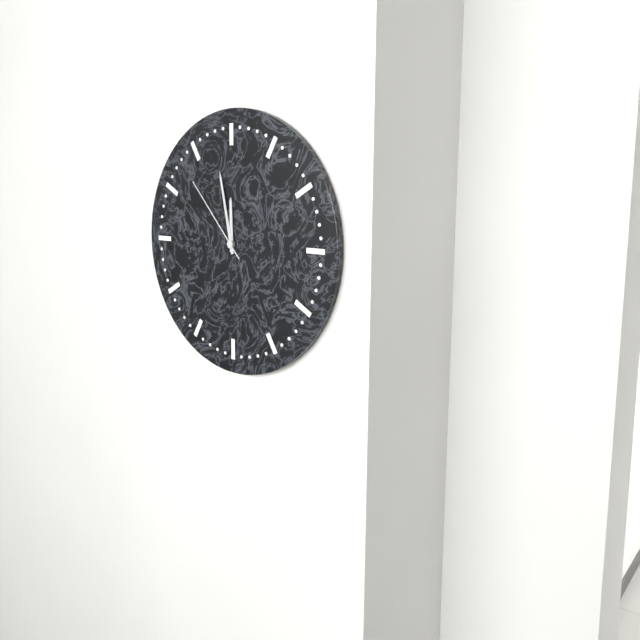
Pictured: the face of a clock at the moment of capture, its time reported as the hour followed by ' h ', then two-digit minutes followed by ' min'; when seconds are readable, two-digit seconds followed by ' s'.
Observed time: 11 h 58 min 53 s
